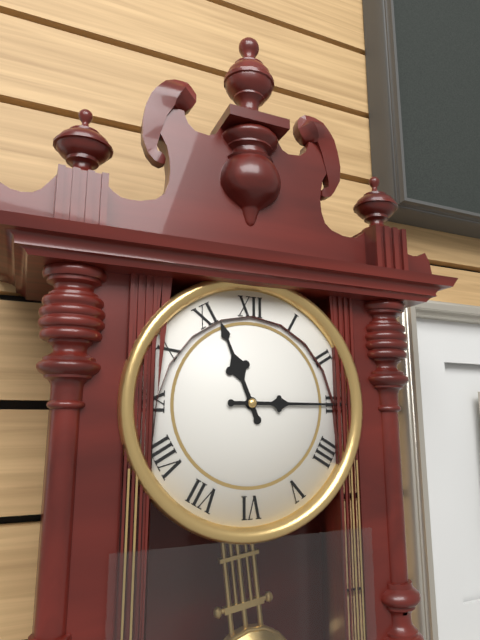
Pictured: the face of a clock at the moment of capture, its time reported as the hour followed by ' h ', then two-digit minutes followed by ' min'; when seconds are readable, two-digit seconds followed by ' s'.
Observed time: 11 h 15 min
